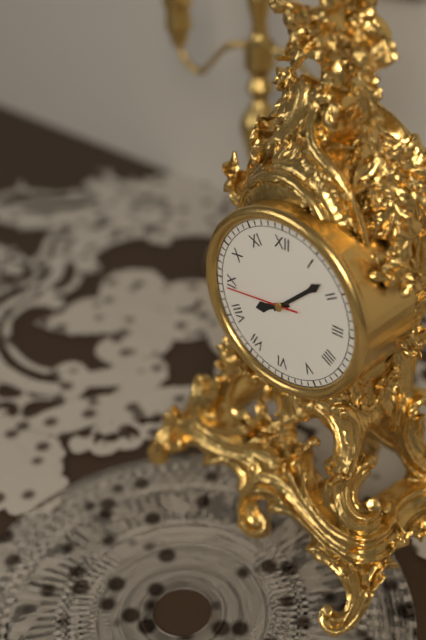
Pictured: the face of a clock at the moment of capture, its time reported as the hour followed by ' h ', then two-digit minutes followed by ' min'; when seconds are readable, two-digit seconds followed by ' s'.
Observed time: 8 h 08 min 44 s
